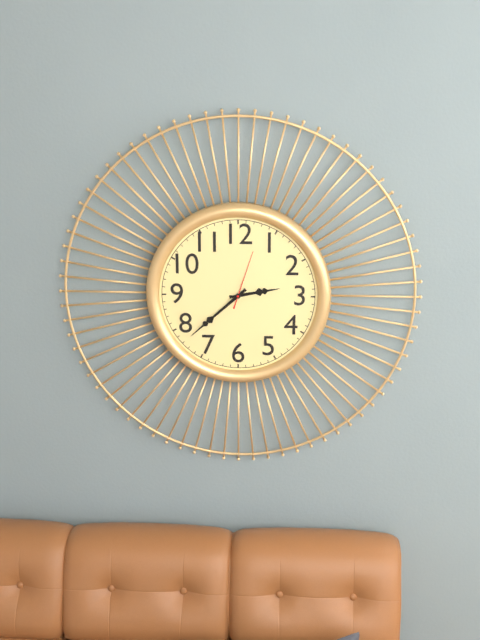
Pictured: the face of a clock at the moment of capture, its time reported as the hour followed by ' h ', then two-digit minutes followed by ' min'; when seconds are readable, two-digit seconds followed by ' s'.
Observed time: 2 h 38 min 03 s
